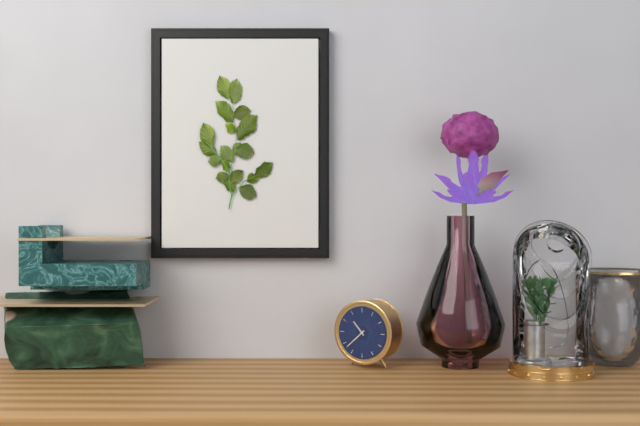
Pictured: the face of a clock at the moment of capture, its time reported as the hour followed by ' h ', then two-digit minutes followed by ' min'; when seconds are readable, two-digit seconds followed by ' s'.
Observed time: 10 h 38 min
